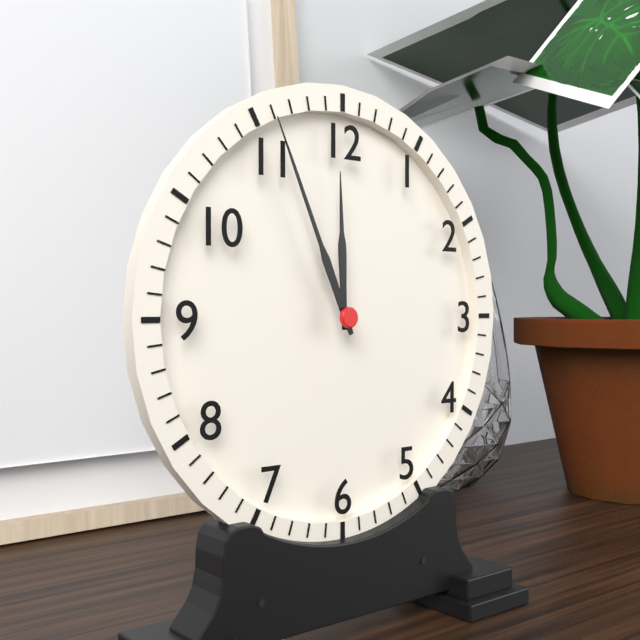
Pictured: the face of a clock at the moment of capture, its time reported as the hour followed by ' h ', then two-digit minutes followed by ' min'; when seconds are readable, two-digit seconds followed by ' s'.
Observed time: 11 h 56 min
